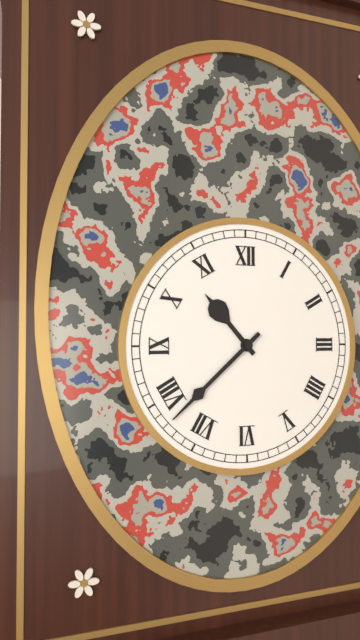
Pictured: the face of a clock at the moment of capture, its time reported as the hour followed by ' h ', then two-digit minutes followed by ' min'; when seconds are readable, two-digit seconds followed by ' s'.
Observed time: 10 h 38 min
